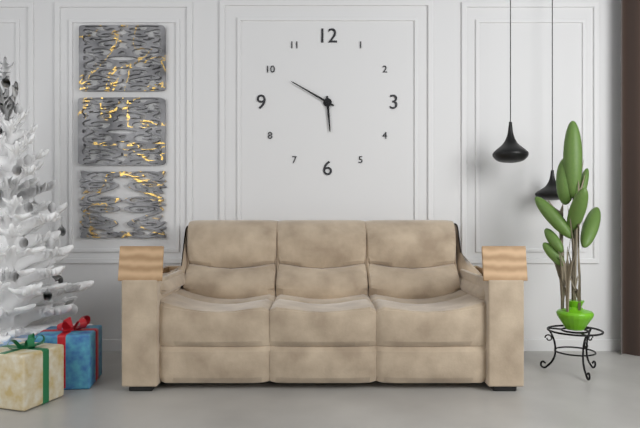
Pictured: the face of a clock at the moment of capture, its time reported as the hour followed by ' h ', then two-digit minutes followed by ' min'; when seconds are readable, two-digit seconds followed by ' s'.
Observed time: 5 h 50 min
